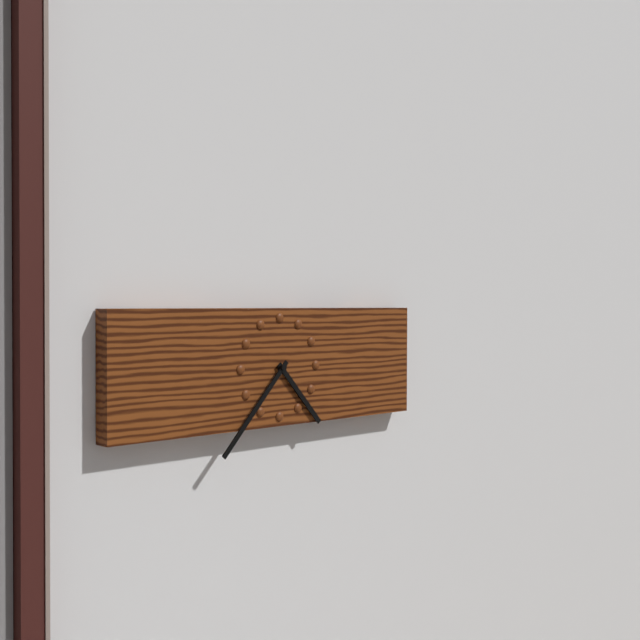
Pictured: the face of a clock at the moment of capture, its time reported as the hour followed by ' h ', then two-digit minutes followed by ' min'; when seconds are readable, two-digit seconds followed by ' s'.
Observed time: 4 h 37 min
